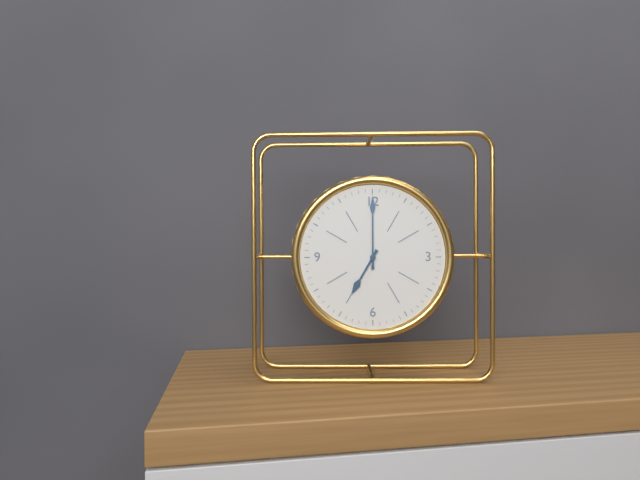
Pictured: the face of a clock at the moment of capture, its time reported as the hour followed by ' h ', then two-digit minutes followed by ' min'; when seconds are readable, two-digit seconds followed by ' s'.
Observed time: 7 h 00 min
